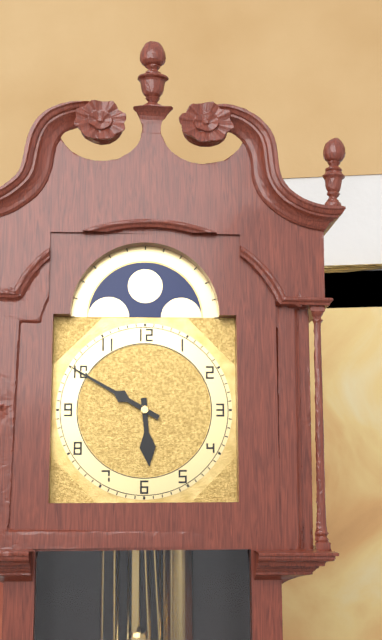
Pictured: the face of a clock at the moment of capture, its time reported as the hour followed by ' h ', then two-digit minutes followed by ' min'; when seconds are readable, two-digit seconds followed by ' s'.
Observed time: 5 h 50 min
